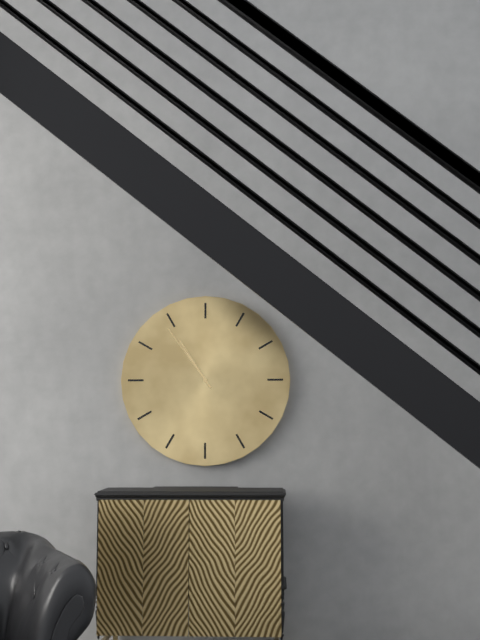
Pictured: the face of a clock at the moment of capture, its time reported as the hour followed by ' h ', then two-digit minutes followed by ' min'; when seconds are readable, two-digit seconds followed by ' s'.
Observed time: 10 h 54 min
